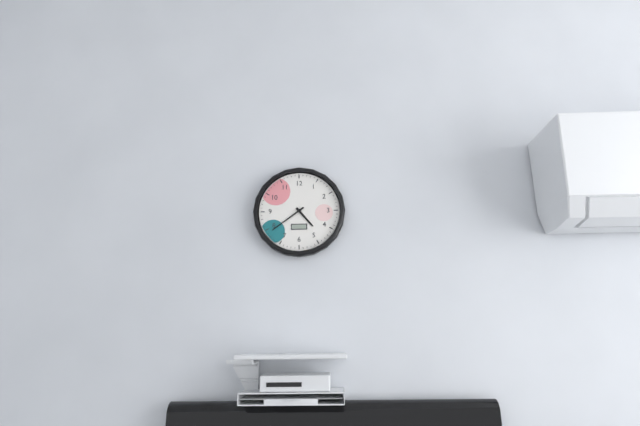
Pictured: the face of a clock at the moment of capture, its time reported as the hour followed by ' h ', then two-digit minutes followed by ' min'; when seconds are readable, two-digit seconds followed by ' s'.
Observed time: 4 h 39 min
